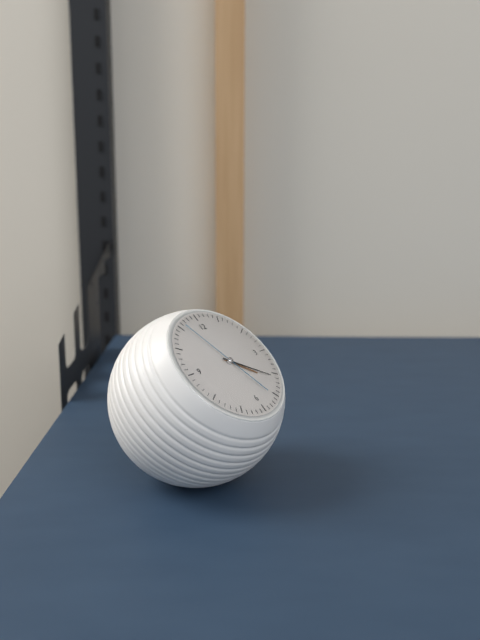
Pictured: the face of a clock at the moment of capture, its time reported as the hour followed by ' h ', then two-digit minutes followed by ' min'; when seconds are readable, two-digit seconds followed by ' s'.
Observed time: 4 h 21 min 56 s
